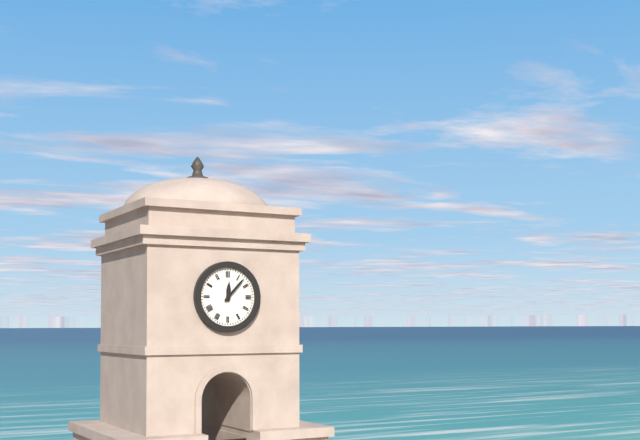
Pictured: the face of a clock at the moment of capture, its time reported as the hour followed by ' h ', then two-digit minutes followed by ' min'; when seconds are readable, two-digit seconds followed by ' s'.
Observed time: 12 h 07 min
